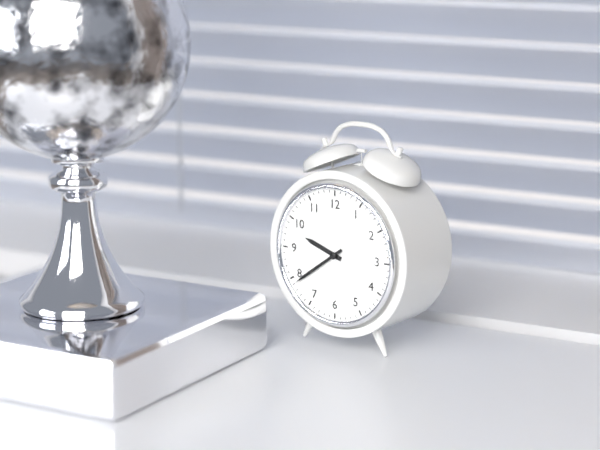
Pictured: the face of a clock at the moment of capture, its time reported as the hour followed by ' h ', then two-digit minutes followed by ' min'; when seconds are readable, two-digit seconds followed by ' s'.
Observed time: 9 h 39 min
